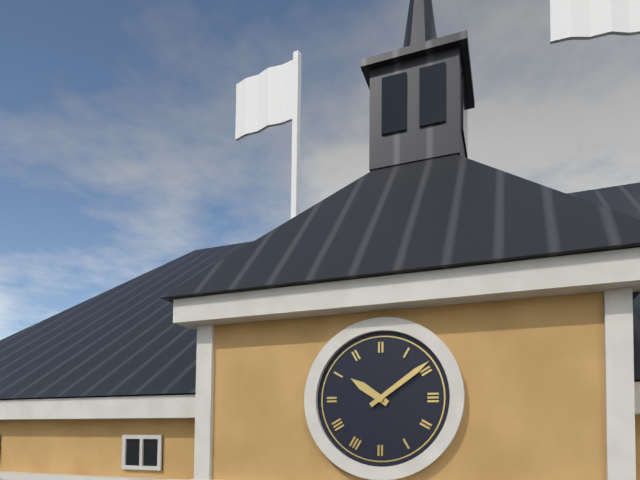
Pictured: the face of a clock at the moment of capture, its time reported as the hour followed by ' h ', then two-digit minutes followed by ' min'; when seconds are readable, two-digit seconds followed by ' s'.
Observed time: 10 h 09 min
